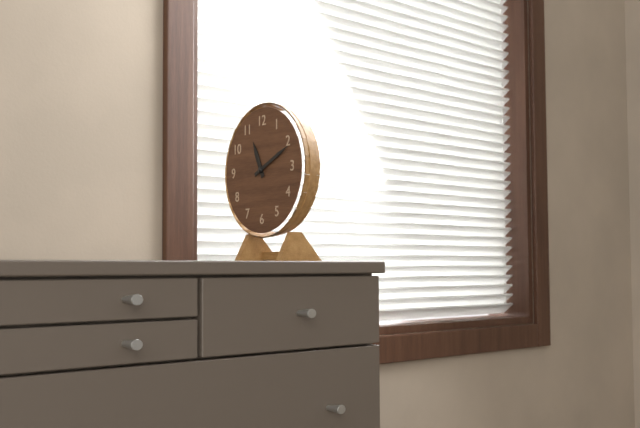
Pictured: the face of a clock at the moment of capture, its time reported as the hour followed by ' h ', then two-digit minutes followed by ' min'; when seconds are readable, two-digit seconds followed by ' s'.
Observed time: 11 h 11 min
